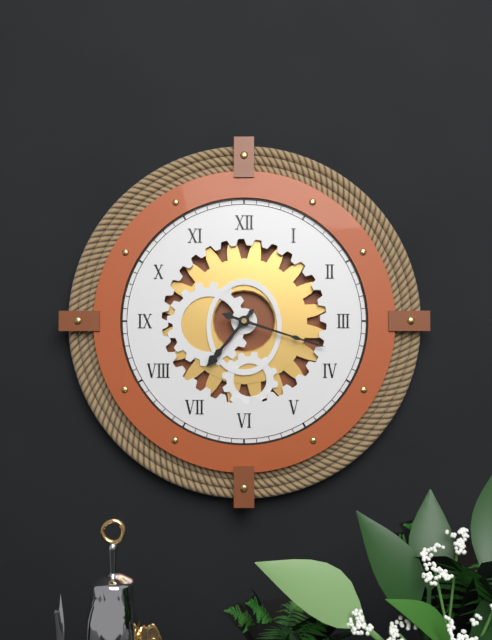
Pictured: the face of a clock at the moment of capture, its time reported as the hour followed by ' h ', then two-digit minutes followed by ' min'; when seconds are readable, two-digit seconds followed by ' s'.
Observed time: 7 h 18 min
